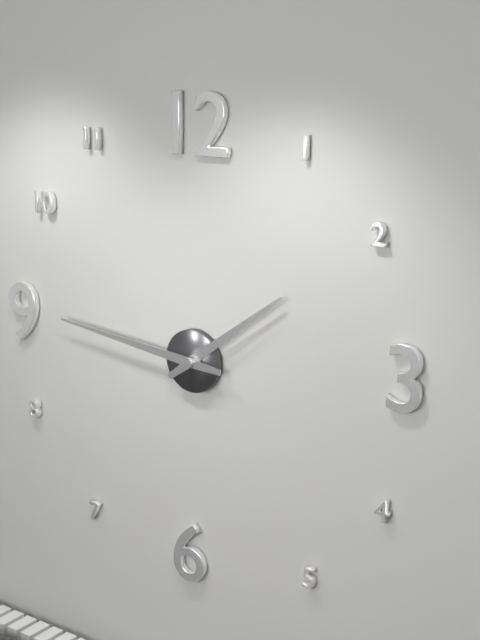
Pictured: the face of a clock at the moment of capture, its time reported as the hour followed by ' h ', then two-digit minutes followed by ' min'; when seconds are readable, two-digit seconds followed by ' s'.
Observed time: 1 h 46 min
